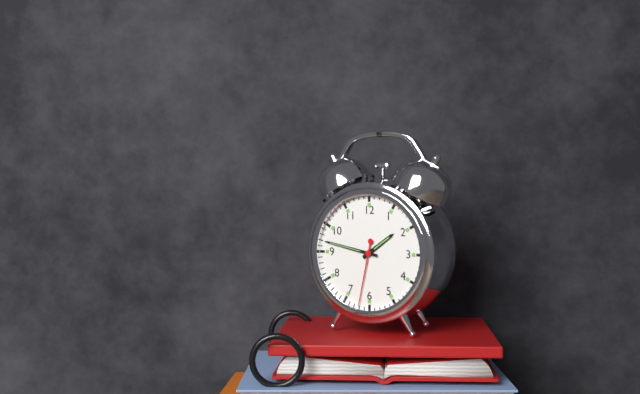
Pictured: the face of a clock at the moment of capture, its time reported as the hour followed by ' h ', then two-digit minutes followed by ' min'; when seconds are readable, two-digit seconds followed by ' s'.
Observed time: 1 h 47 min 32 s
